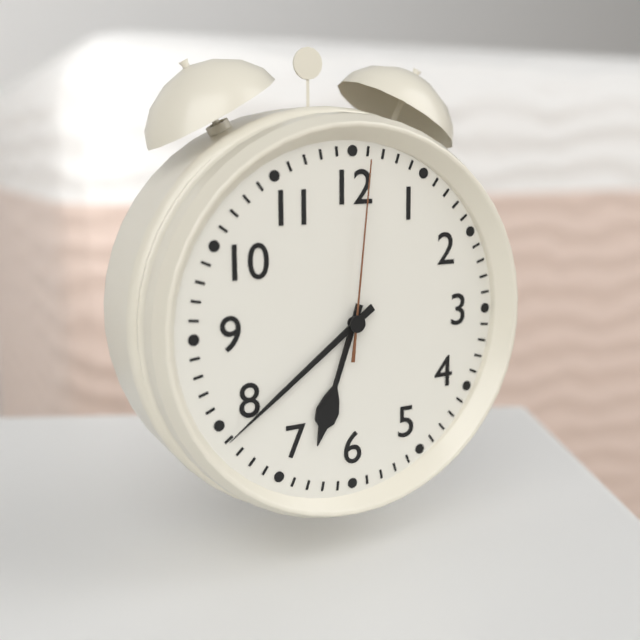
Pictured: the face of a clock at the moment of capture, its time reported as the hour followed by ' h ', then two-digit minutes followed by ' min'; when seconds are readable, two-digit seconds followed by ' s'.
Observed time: 6 h 39 min 01 s
